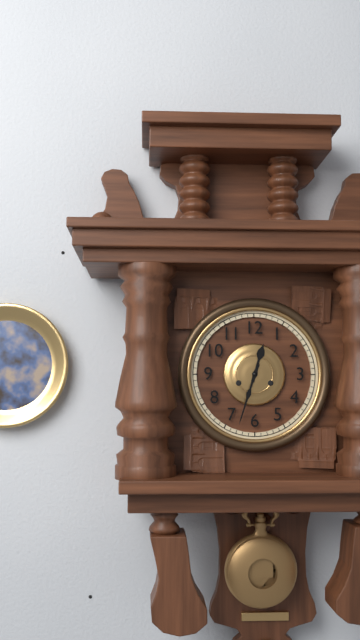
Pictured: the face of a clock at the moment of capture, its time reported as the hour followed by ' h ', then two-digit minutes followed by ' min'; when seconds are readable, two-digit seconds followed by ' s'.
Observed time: 12 h 33 min
